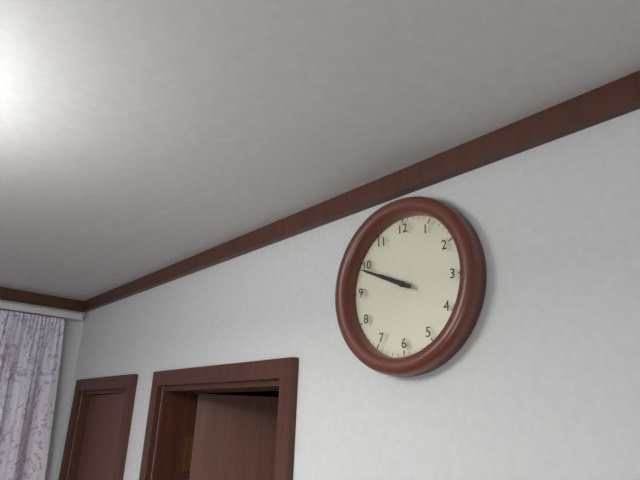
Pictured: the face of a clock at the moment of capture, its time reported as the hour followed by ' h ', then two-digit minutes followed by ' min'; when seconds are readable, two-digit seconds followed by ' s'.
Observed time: 9 h 49 min
